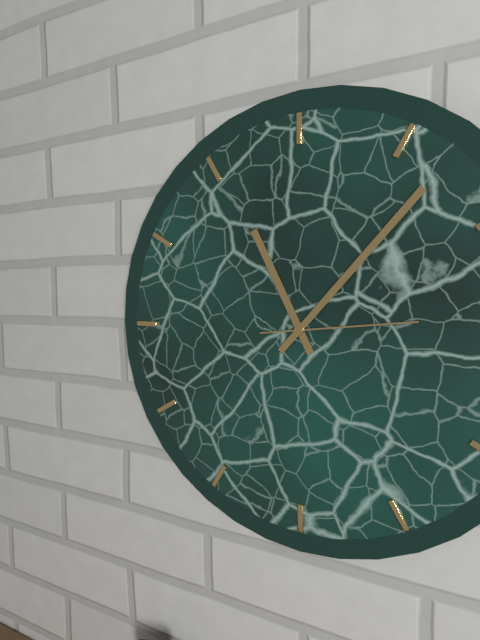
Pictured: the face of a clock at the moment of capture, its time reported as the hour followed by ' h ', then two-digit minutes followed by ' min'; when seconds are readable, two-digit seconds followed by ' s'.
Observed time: 11 h 07 min 14 s
